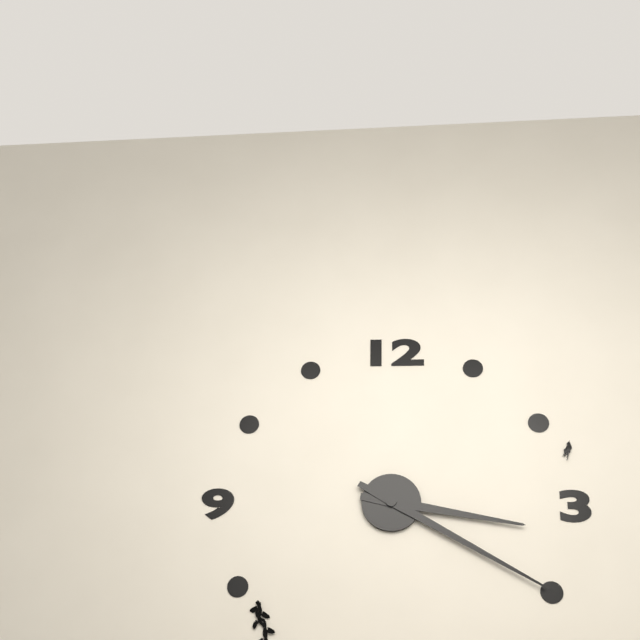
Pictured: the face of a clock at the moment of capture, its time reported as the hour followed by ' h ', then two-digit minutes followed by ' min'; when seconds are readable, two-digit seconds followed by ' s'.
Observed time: 3 h 20 min
